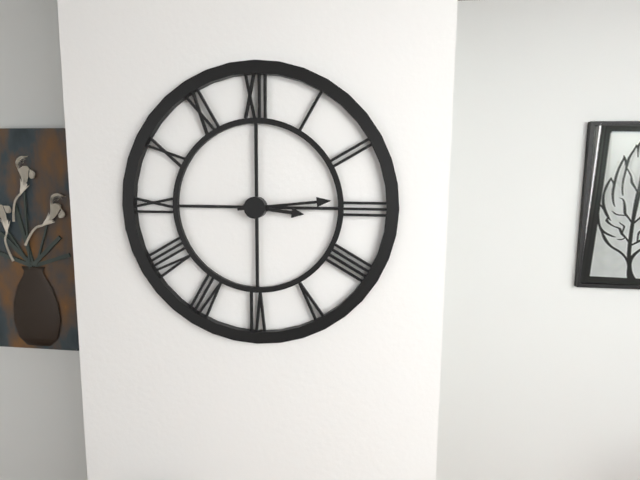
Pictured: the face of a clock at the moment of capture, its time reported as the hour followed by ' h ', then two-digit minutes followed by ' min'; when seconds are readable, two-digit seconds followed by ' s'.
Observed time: 3 h 14 min
